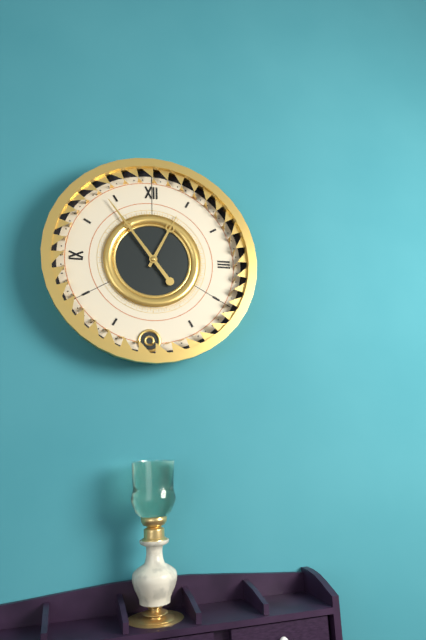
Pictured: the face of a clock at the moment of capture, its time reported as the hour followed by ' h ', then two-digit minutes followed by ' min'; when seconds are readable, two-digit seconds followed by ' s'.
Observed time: 12 h 54 min
